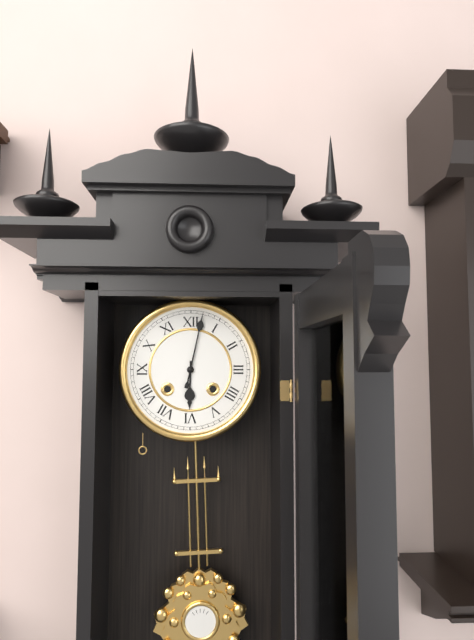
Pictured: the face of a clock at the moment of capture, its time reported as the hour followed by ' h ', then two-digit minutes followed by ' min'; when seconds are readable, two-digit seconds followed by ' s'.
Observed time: 6 h 02 min
